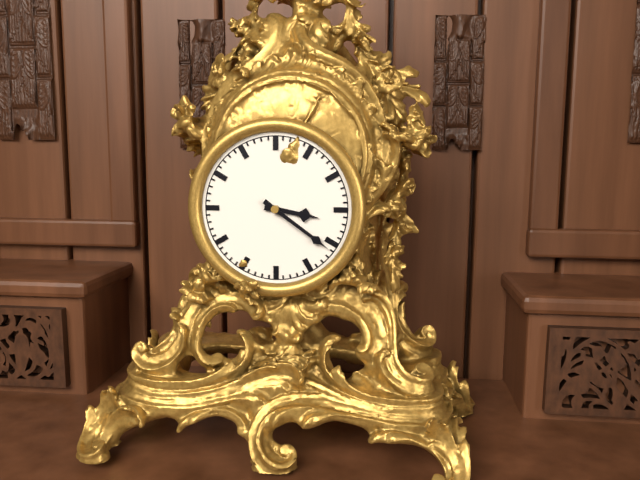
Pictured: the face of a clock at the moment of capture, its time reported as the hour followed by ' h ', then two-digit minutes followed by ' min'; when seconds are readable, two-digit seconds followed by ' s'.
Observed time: 3 h 21 min
